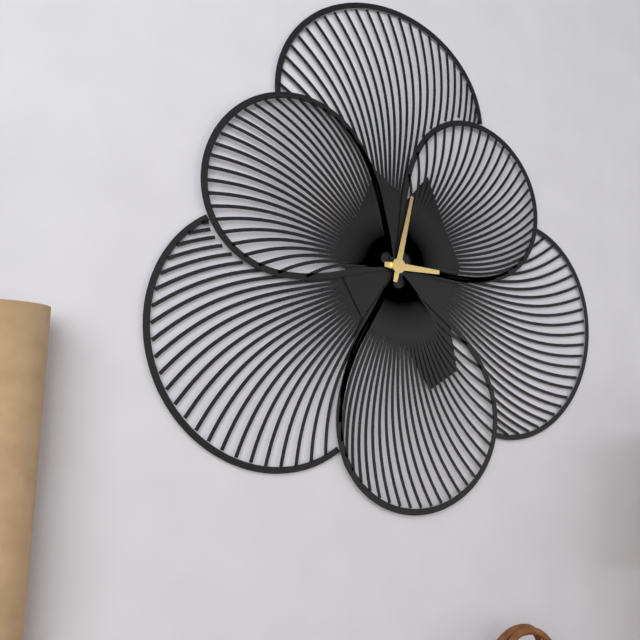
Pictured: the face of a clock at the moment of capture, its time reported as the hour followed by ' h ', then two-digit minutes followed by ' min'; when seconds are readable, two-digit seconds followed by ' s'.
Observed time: 3 h 02 min
